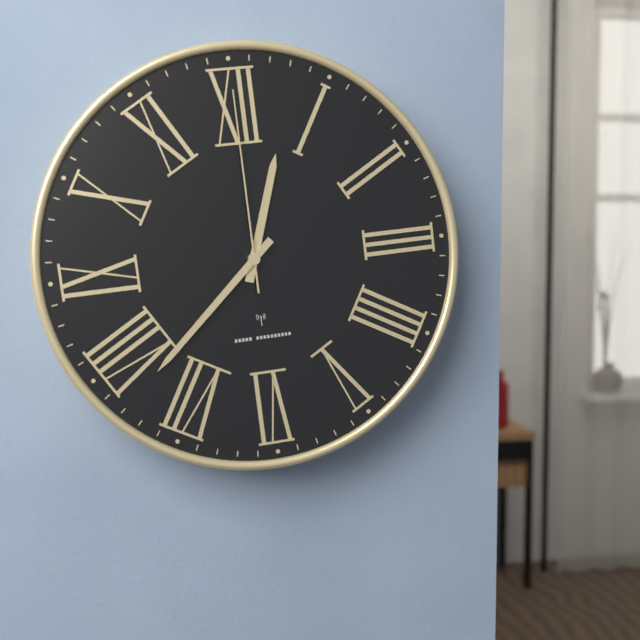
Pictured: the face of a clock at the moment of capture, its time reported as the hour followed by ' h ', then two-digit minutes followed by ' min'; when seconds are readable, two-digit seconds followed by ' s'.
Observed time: 12 h 38 min 00 s
